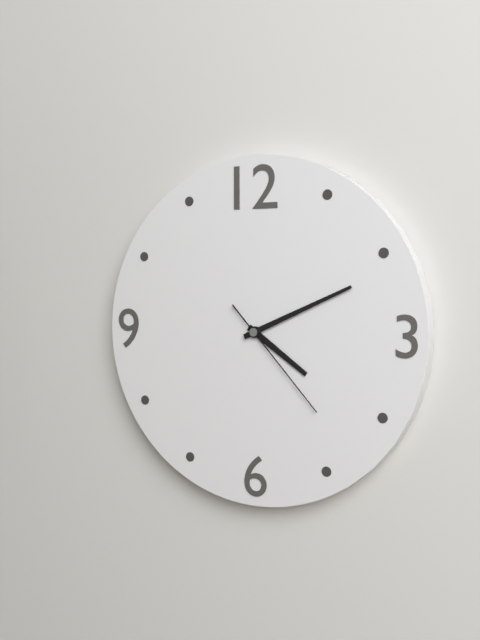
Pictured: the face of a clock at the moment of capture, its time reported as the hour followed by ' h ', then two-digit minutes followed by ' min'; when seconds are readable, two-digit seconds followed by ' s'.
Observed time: 4 h 11 min 23 s
